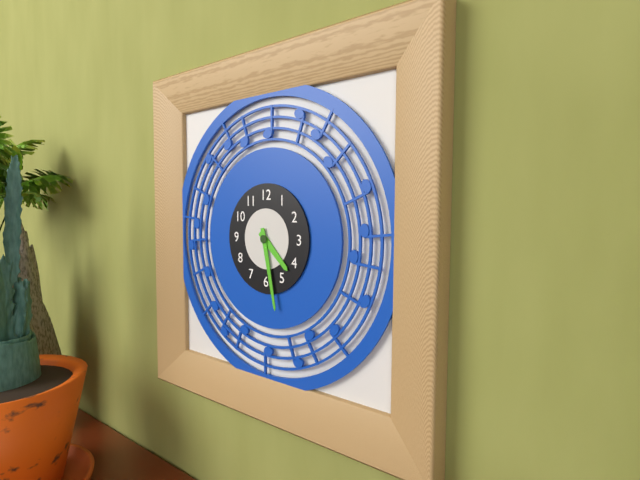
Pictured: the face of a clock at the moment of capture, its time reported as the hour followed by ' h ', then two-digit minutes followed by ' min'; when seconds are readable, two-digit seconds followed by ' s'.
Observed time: 4 h 28 min
